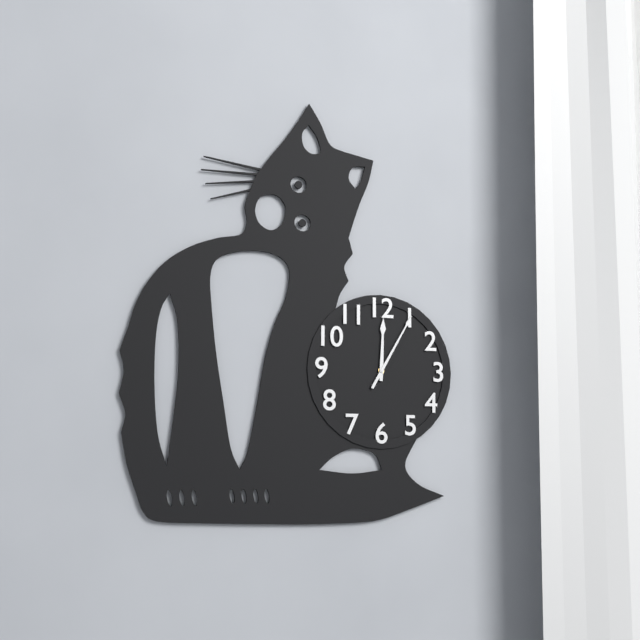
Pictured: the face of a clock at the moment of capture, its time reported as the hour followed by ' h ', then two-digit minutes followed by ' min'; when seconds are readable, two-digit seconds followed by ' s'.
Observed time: 12 h 05 min
